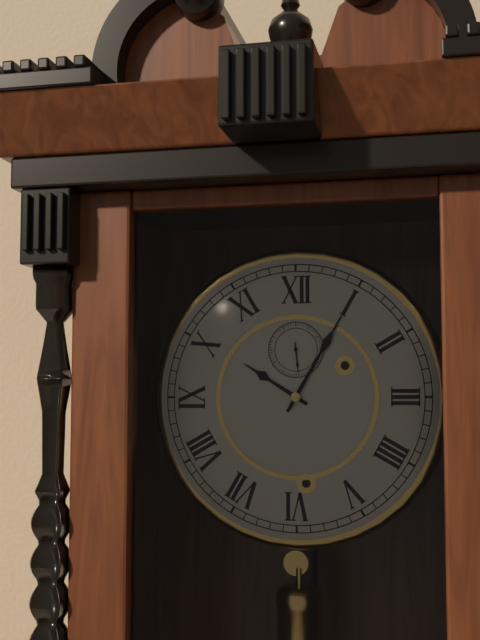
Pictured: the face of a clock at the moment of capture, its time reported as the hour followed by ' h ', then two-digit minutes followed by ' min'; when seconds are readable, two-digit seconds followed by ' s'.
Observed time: 10 h 05 min
